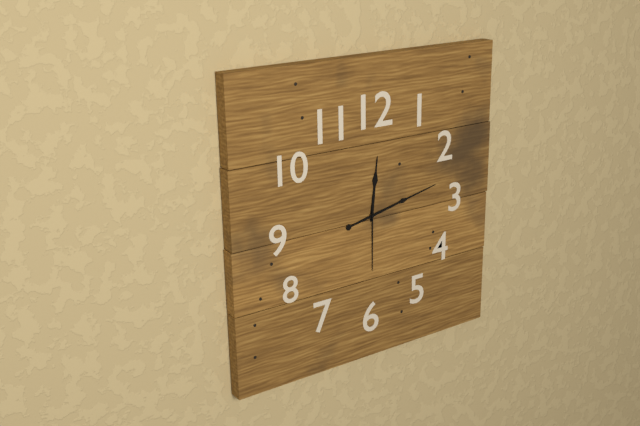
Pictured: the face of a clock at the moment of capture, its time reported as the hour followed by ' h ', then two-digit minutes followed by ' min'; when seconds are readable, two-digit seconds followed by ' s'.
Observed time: 12 h 13 min 30 s
